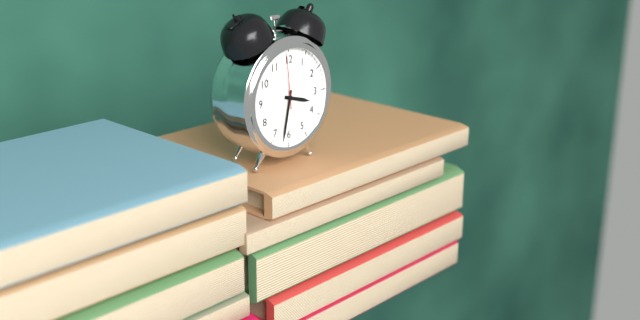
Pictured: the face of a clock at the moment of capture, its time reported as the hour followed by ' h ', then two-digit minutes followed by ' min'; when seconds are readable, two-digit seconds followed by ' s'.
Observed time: 3 h 32 min 59 s
